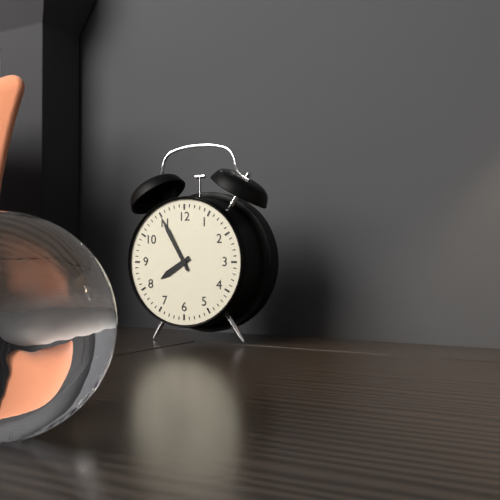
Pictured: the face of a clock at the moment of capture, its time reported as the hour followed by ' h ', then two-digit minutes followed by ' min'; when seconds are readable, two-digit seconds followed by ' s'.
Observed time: 7 h 55 min
